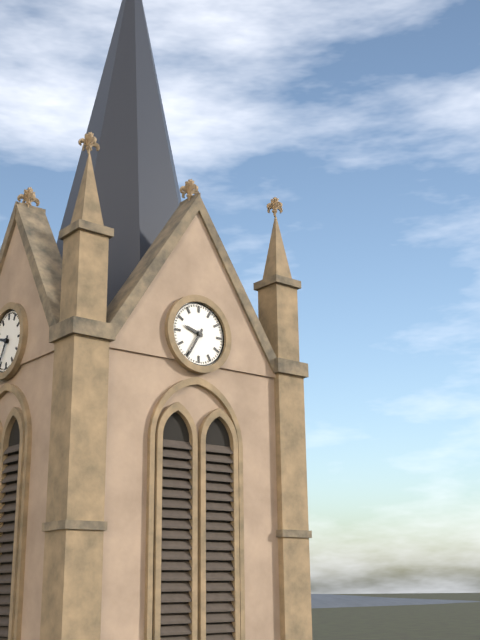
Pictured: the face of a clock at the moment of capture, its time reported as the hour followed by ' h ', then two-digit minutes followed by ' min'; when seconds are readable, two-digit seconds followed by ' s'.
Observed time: 9 h 35 min
